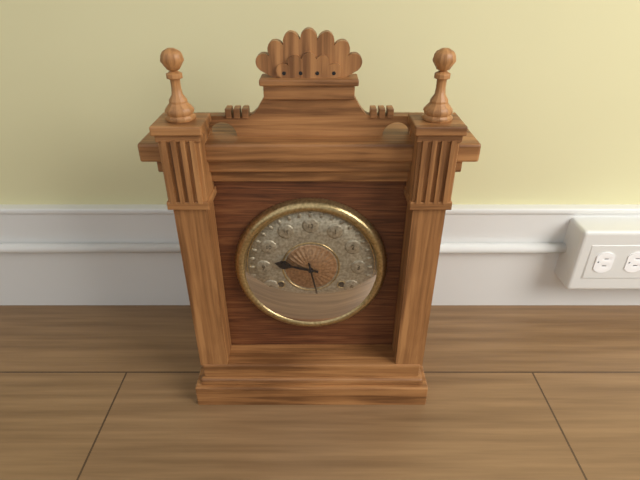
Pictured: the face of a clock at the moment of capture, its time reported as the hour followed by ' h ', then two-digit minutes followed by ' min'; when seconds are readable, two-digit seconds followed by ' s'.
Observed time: 9 h 28 min
